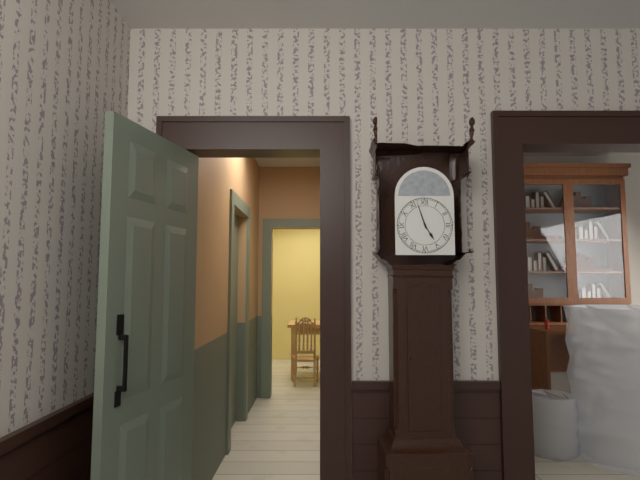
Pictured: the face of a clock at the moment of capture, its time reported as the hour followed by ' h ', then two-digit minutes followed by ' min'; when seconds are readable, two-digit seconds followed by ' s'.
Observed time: 4 h 57 min
